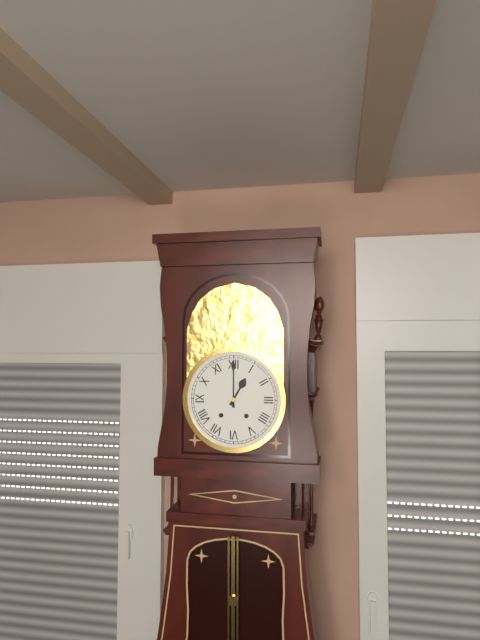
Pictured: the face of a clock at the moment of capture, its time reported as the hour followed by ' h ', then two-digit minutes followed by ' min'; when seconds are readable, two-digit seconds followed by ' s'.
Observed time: 1 h 00 min
